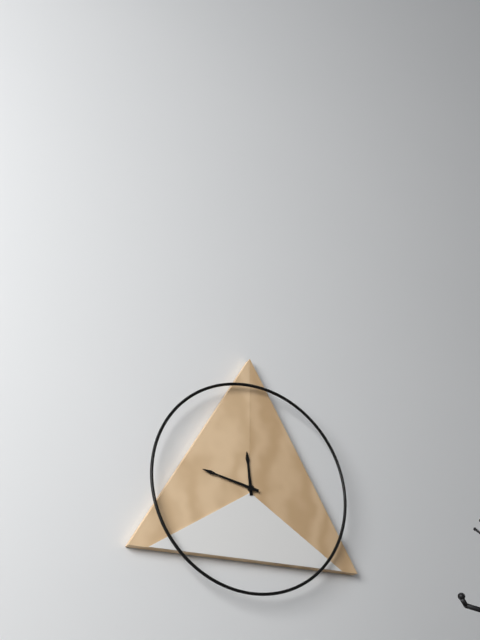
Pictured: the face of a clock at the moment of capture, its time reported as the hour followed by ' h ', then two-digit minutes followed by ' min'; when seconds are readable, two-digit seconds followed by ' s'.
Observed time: 11 h 47 min
